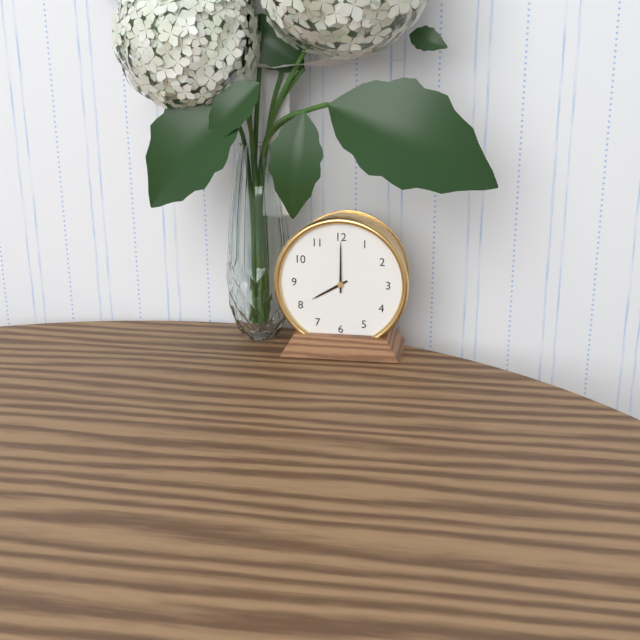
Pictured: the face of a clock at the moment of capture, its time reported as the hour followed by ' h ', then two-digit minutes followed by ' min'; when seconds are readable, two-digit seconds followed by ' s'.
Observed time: 8 h 00 min
